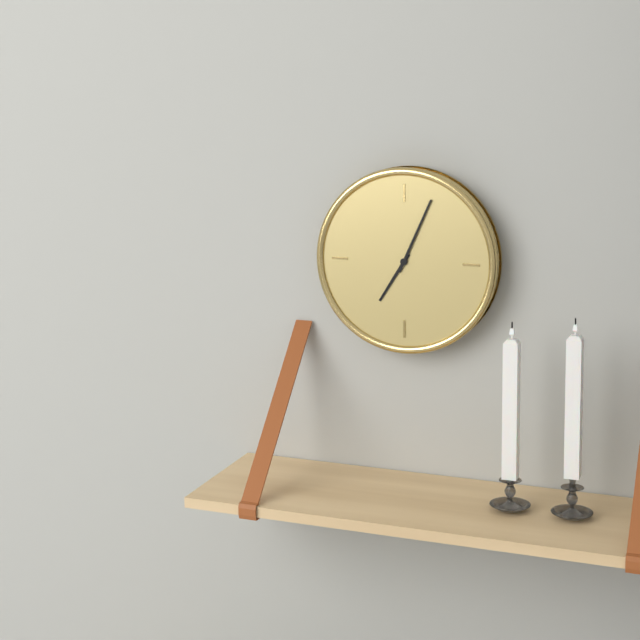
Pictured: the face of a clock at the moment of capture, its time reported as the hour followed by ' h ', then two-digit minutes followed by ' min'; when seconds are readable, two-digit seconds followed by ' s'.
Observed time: 7 h 04 min
